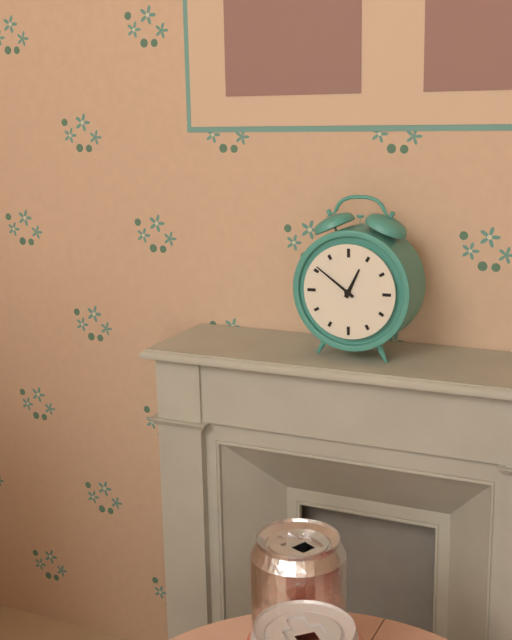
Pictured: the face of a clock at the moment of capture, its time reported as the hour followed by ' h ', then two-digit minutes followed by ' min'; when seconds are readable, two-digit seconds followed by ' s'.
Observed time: 12 h 51 min
